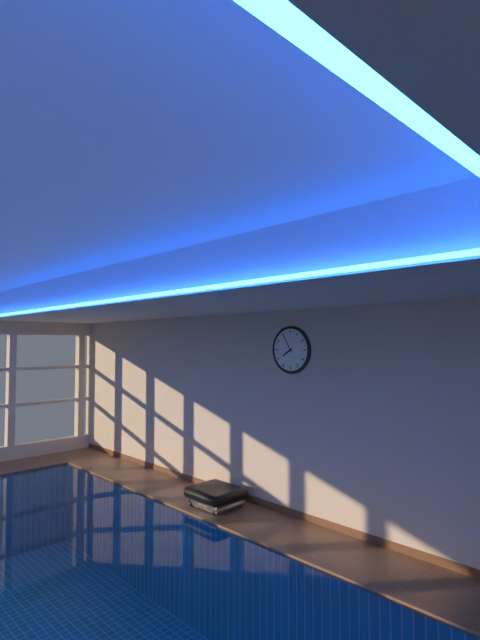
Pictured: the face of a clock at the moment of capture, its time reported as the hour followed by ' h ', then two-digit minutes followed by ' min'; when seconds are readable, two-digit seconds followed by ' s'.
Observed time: 7 h 55 min
